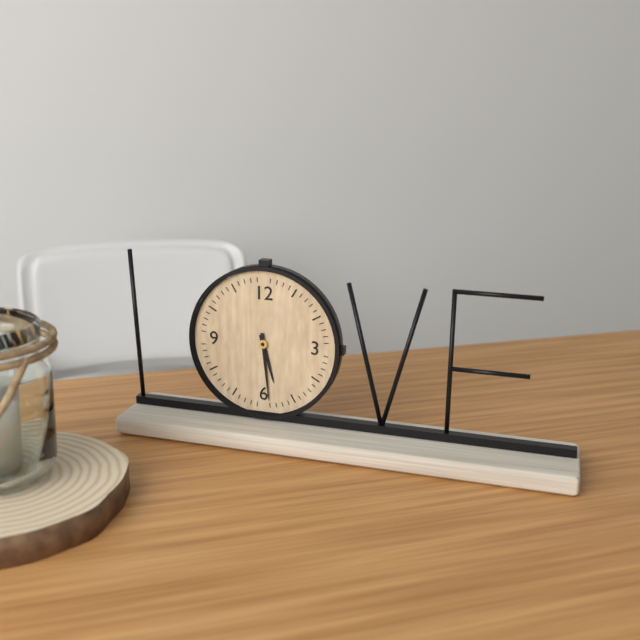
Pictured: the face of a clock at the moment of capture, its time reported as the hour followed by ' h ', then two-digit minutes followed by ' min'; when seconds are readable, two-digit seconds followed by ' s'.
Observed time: 5 h 29 min
